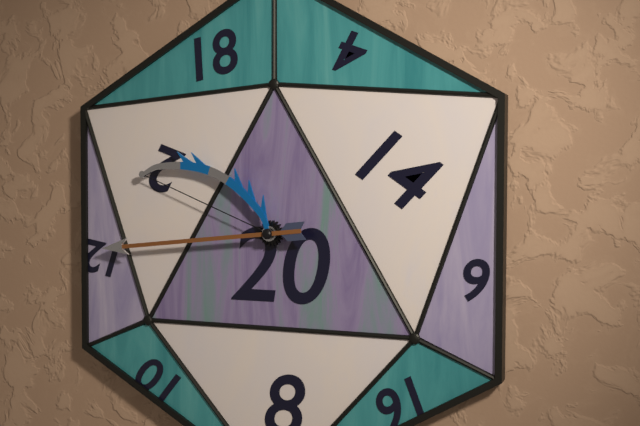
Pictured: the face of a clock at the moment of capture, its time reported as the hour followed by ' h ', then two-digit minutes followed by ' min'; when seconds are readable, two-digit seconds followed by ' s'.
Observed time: 9 h 44 min
